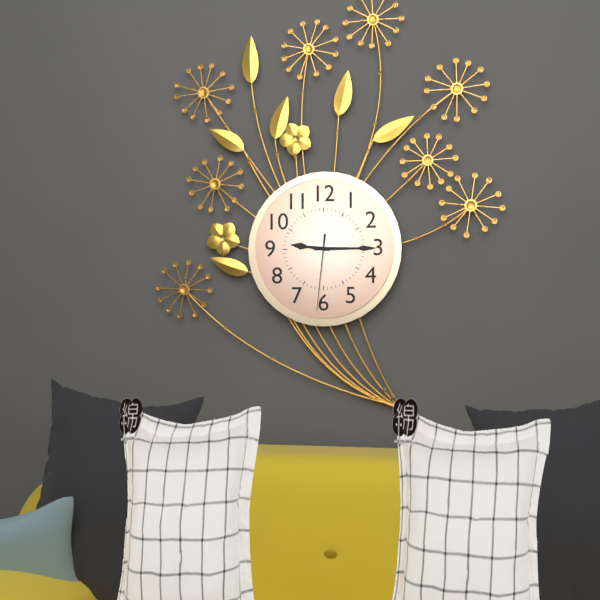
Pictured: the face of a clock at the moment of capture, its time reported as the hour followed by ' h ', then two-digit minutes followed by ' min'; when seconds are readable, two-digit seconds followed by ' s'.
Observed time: 9 h 15 min 31 s
